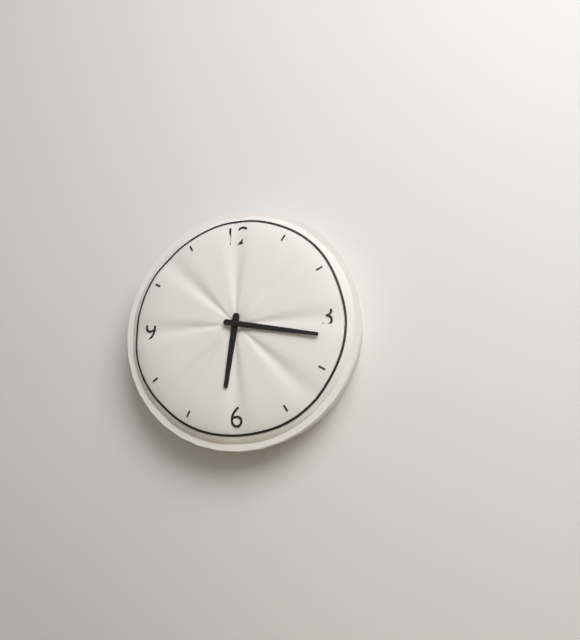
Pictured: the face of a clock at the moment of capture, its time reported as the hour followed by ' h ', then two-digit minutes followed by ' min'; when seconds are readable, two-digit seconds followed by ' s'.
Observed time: 6 h 17 min
